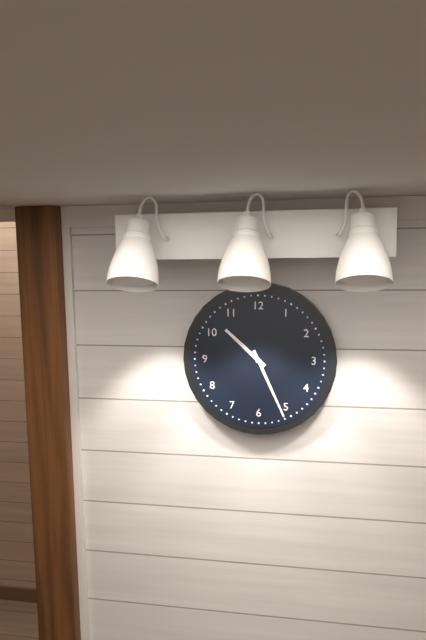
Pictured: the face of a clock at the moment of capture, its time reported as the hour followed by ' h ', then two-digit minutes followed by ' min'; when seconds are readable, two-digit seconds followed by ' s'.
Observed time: 10 h 26 min
